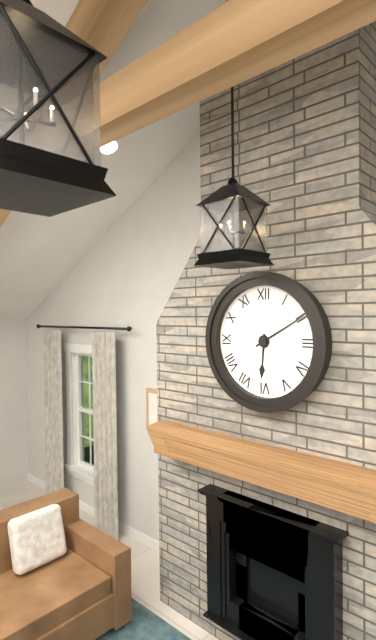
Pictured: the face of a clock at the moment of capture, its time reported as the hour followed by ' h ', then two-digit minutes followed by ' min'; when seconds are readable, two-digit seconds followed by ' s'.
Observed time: 6 h 10 min
